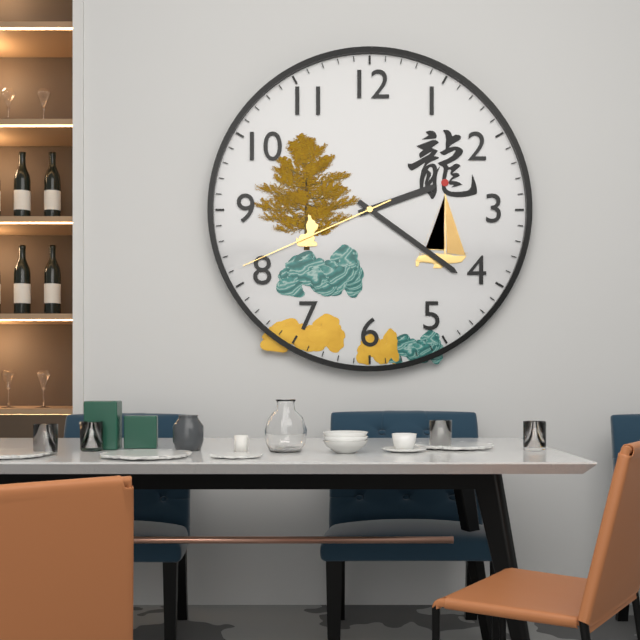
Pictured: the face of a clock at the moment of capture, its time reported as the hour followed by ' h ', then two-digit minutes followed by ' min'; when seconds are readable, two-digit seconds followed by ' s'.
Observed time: 2 h 21 min 41 s
